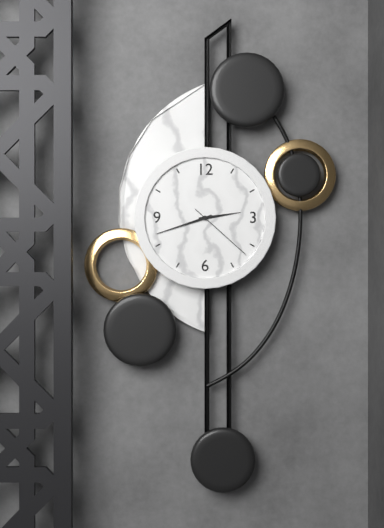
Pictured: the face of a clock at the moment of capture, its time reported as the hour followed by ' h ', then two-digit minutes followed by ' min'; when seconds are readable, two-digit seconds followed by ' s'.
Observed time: 2 h 42 min 22 s
